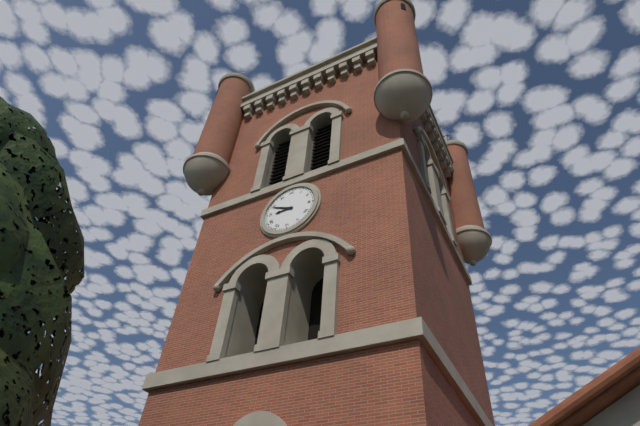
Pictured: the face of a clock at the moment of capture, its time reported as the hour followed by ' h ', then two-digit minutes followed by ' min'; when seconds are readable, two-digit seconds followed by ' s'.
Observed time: 8 h 49 min
